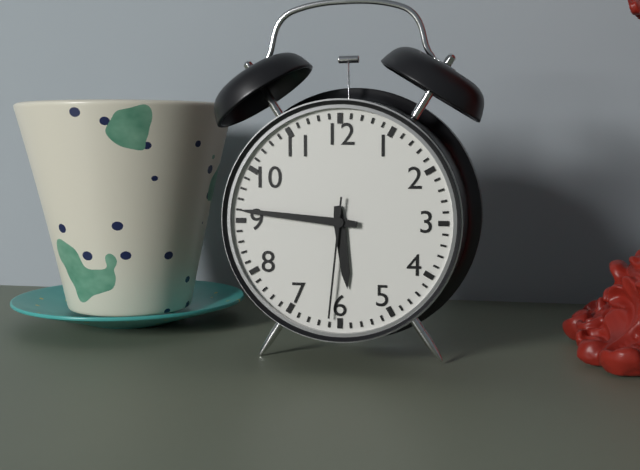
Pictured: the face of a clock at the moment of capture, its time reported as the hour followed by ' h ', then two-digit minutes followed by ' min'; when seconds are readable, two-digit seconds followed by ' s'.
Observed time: 5 h 46 min 31 s
